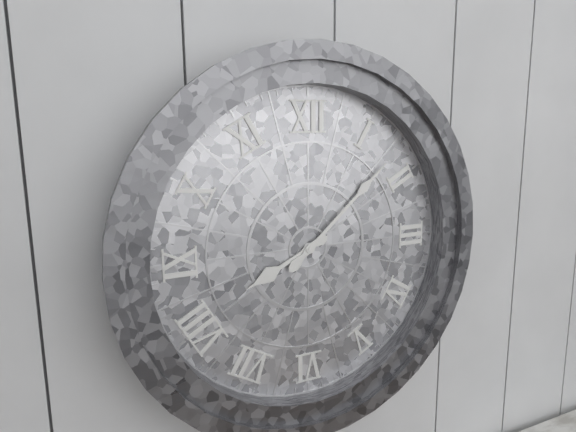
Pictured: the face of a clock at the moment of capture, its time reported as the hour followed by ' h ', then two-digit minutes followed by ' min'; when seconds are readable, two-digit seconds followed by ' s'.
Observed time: 8 h 08 min
